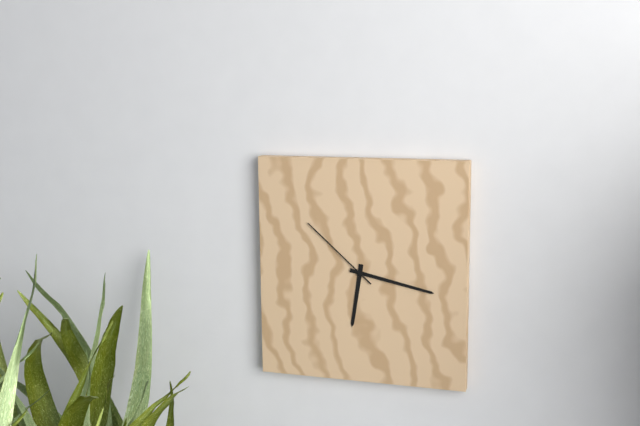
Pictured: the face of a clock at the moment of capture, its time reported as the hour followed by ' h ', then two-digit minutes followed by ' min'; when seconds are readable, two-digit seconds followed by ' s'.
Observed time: 6 h 17 min 52 s
